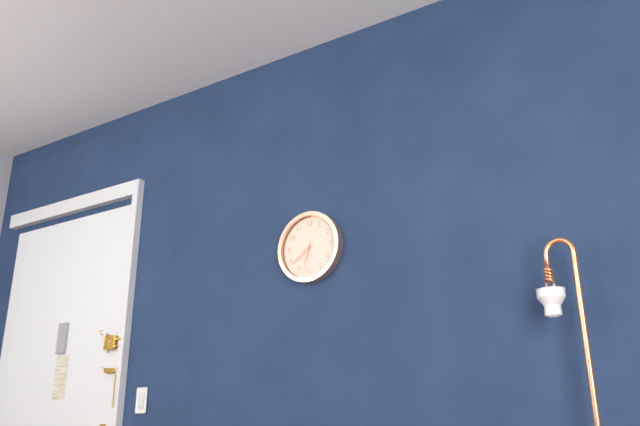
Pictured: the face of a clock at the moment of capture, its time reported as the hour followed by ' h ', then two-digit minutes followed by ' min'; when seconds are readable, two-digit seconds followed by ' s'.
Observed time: 6 h 39 min
